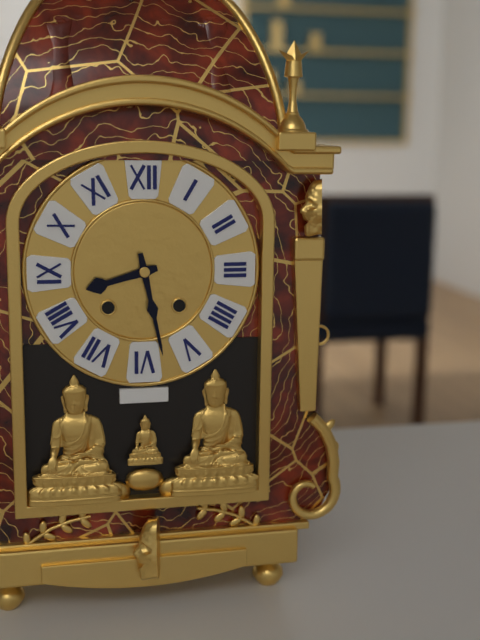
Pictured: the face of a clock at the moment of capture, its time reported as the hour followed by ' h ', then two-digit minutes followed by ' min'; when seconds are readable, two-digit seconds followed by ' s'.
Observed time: 8 h 28 min
